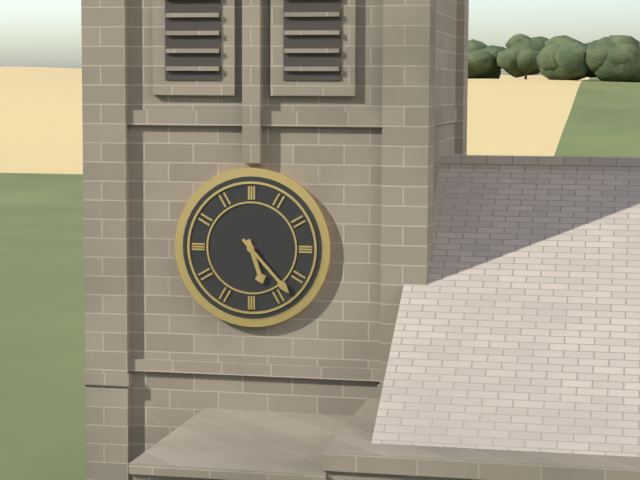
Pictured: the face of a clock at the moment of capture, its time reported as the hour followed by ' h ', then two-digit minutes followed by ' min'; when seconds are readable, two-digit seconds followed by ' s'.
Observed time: 5 h 23 min
